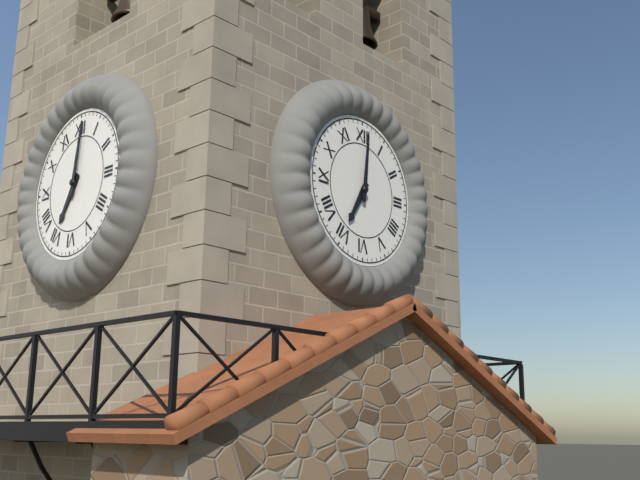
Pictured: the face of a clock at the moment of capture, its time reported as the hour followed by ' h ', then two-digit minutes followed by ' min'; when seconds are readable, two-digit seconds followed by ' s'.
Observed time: 7 h 01 min
